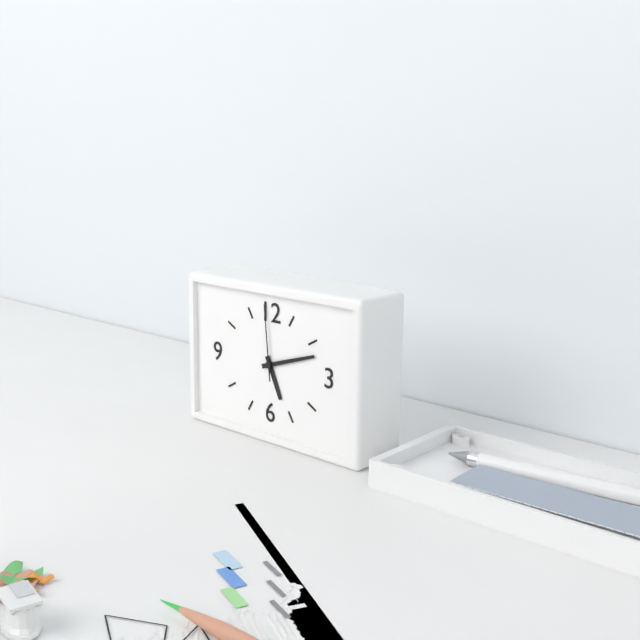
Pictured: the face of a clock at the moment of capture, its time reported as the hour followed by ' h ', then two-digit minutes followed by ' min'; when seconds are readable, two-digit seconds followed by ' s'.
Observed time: 5 h 12 min 59 s
